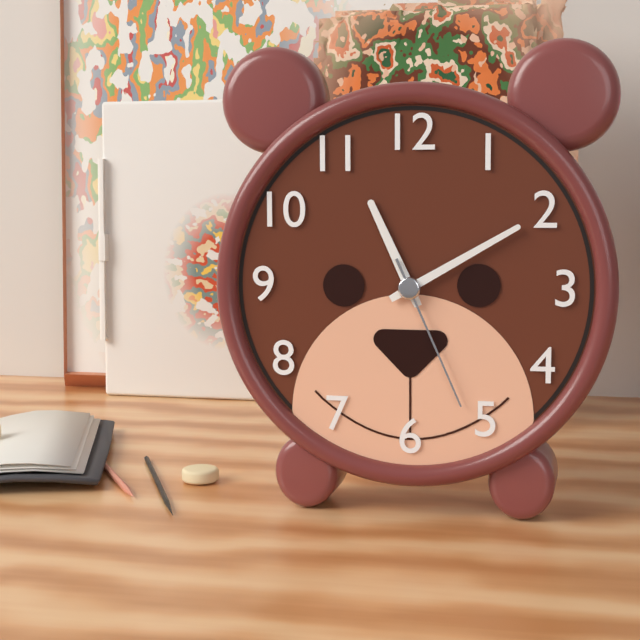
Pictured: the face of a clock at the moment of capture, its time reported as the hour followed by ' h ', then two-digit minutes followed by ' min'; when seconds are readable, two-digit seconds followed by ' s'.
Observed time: 11 h 10 min 26 s
